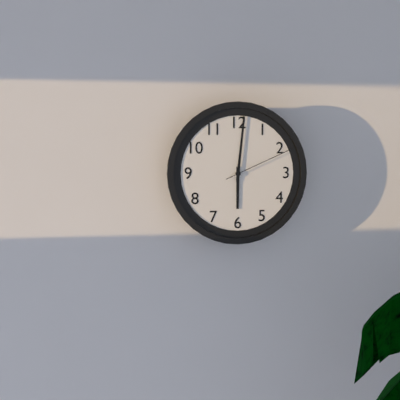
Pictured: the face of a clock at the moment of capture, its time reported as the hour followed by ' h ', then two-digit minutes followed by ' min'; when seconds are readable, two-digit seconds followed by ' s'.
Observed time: 6 h 01 min 11 s
